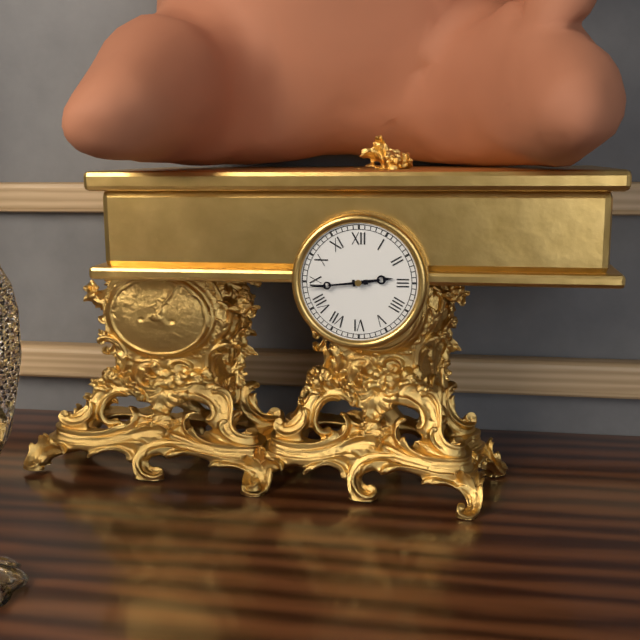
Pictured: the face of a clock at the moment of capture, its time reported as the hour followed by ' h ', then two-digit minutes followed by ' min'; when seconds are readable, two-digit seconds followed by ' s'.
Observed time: 2 h 44 min
